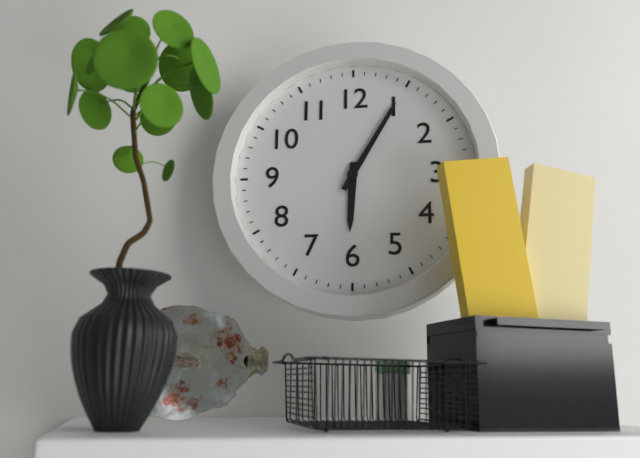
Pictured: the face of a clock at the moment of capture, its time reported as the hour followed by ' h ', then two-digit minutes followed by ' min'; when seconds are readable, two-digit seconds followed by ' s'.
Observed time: 6 h 05 min
